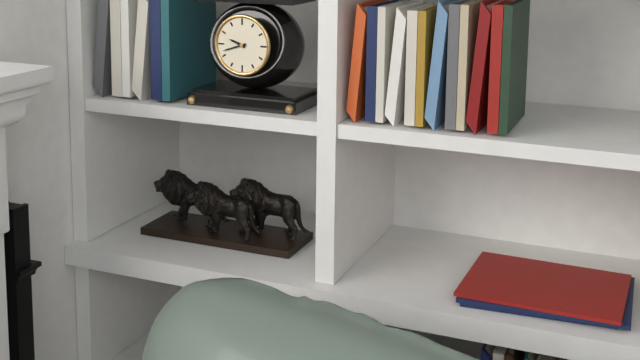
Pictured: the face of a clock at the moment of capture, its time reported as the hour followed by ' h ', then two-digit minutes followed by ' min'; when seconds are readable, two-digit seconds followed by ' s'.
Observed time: 9 h 42 min
